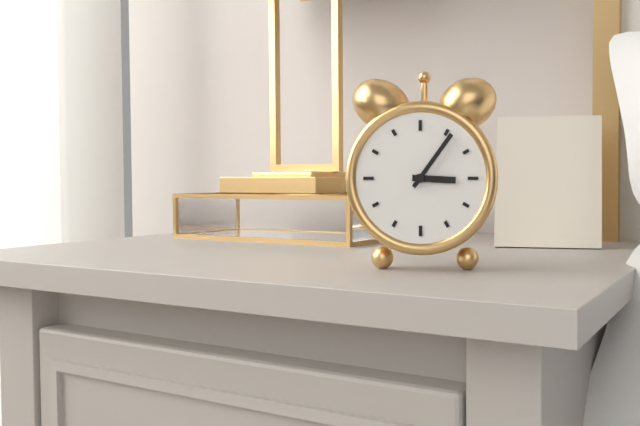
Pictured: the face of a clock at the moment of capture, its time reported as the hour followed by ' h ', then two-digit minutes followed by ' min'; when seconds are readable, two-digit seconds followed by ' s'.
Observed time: 3 h 06 min
